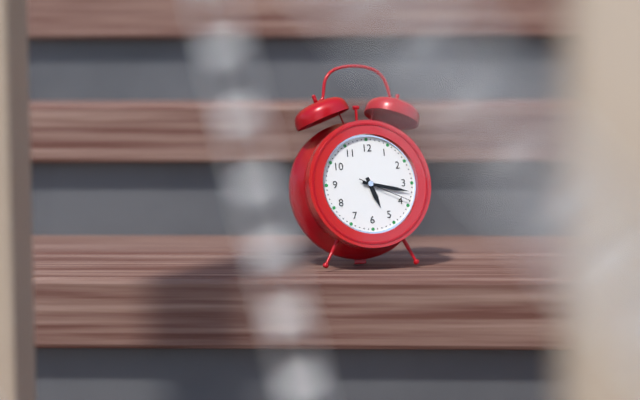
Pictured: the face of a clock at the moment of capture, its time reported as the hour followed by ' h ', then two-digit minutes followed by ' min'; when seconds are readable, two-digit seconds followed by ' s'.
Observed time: 5 h 17 min 19 s
